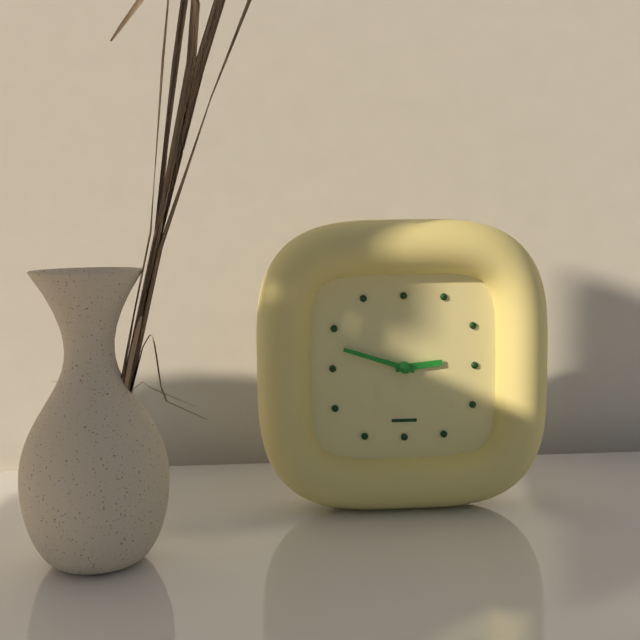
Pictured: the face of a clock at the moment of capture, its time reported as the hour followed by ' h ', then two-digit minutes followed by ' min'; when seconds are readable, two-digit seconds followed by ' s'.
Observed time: 2 h 48 min
